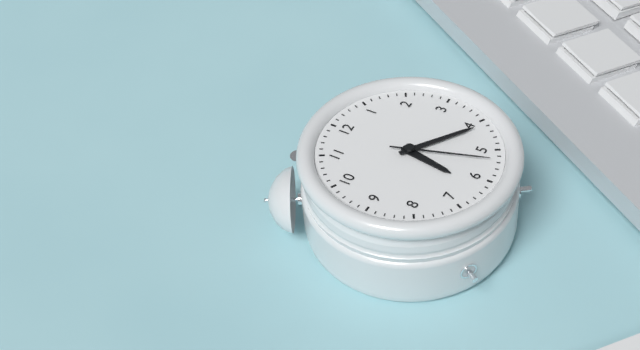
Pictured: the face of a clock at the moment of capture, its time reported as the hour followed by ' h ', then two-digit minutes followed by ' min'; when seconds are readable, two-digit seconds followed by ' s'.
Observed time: 6 h 21 min 27 s
